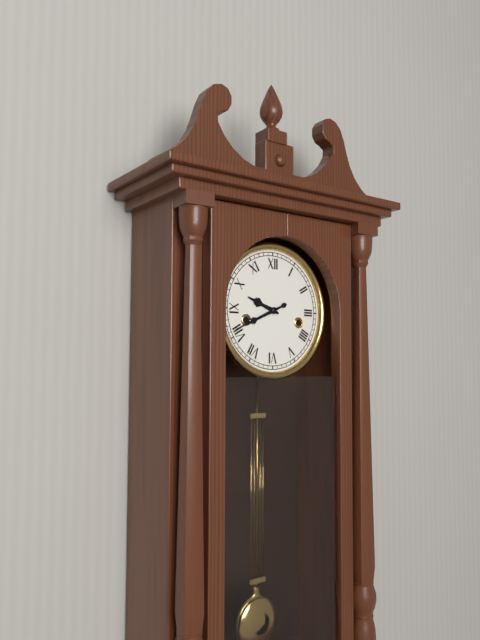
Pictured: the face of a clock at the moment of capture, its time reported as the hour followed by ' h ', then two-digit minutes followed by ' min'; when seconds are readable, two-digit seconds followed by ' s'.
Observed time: 9 h 41 min
